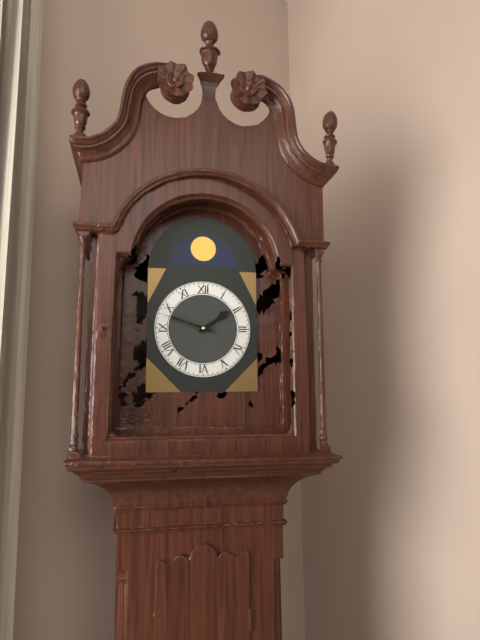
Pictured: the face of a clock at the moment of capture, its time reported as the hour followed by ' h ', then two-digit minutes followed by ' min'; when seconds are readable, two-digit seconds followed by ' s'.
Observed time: 1 h 48 min
